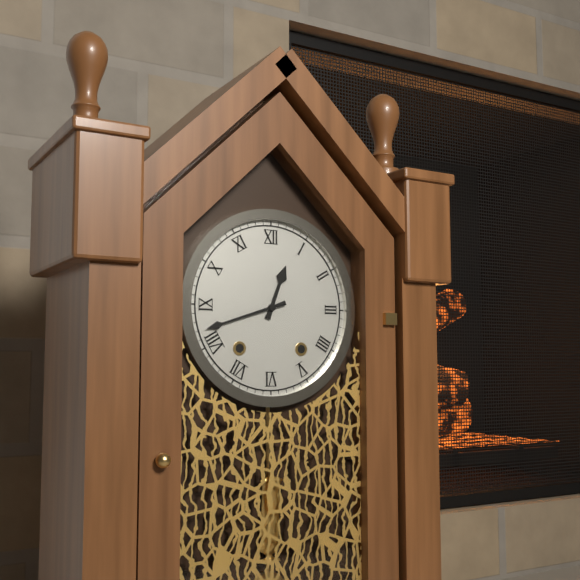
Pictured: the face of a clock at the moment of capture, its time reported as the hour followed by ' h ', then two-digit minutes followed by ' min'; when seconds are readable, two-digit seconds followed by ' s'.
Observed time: 12 h 42 min
